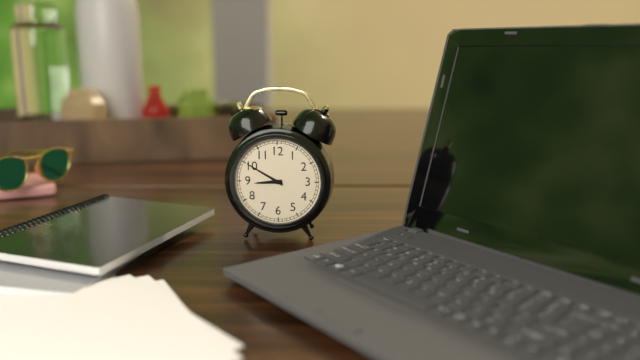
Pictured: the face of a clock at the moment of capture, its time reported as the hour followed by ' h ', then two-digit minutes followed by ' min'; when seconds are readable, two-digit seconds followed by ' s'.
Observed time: 8 h 50 min
